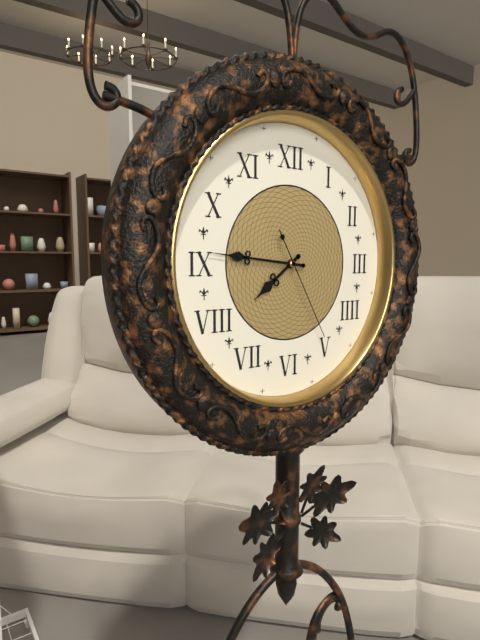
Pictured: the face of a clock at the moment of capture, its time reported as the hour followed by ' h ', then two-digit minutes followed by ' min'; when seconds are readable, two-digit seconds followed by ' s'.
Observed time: 7 h 46 min 25 s
